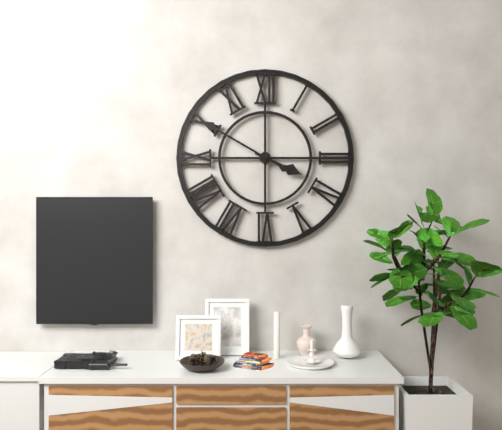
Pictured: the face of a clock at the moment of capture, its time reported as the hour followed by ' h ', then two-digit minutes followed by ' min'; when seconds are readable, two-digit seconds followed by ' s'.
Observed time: 3 h 50 min
